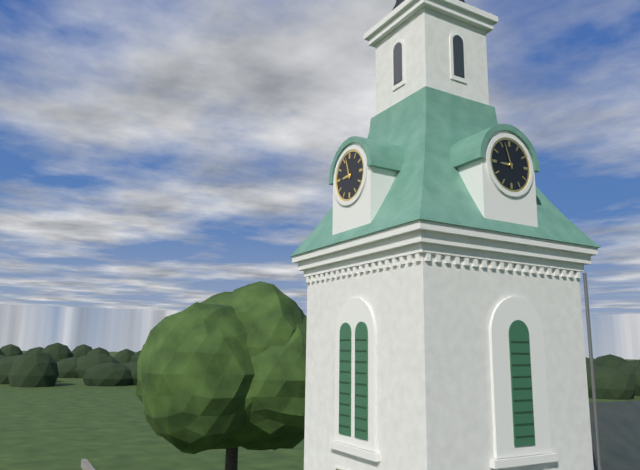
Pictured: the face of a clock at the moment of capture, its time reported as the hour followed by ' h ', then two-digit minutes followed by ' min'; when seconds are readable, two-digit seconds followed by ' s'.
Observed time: 8 h 57 min
